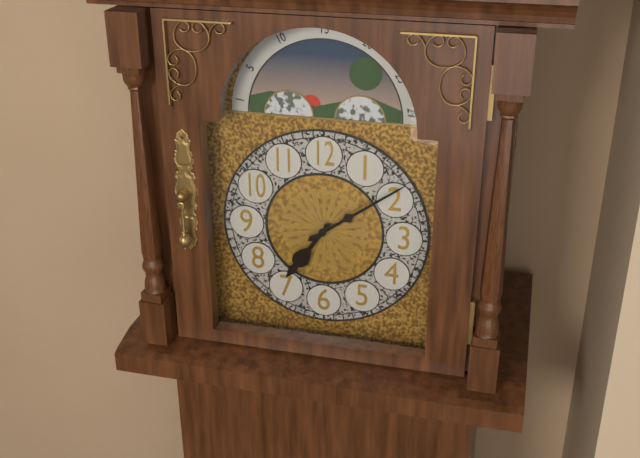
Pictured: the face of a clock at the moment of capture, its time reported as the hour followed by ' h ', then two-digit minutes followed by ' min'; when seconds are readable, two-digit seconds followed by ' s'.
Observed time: 7 h 09 min
